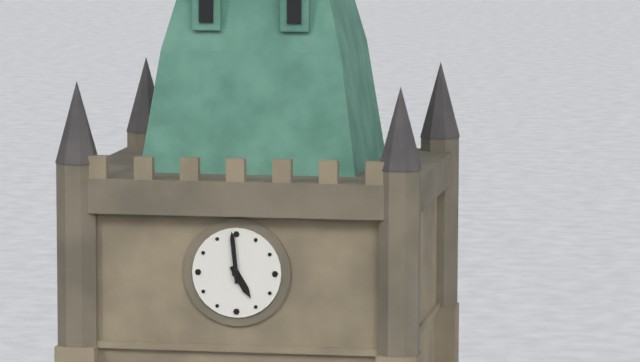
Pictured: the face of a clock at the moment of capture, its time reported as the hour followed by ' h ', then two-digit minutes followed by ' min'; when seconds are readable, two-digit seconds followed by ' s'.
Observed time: 4 h 59 min
